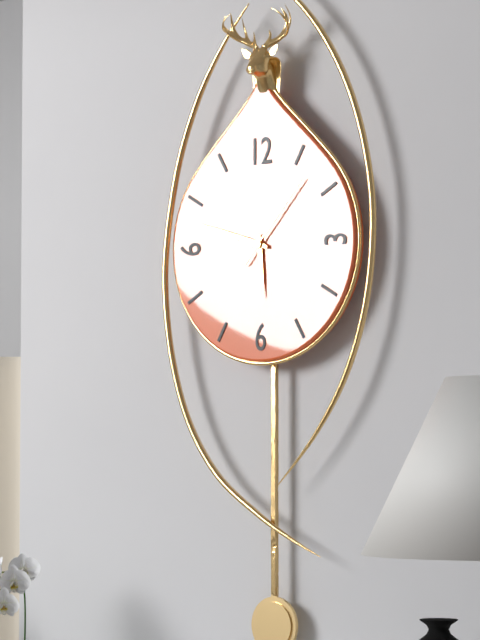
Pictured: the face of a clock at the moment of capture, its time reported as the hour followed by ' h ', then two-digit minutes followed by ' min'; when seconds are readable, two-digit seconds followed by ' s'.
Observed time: 5 h 48 min 07 s
